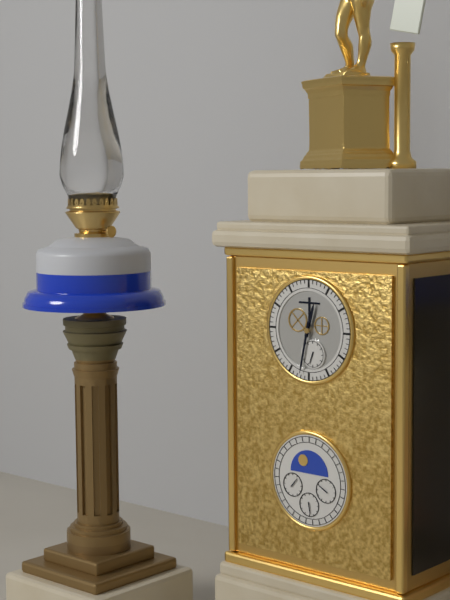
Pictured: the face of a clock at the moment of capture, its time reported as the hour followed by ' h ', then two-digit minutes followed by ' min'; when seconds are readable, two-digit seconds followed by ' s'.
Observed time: 12 h 32 min
